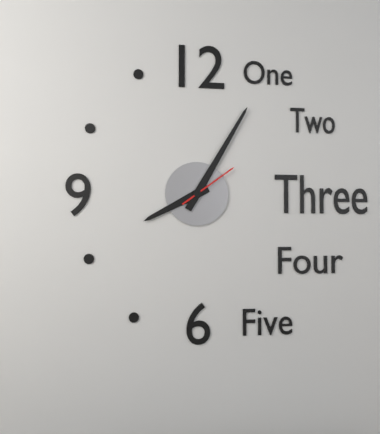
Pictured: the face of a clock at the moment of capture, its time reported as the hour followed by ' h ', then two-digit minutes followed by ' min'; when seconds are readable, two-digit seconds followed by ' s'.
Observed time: 8 h 05 min 09 s
